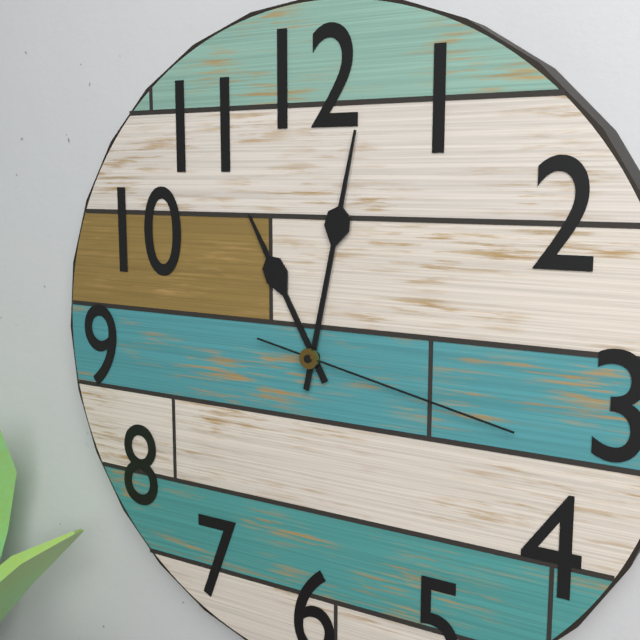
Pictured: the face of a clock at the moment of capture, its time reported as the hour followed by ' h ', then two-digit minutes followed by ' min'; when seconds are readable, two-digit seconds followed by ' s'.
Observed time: 11 h 02 min 17 s
